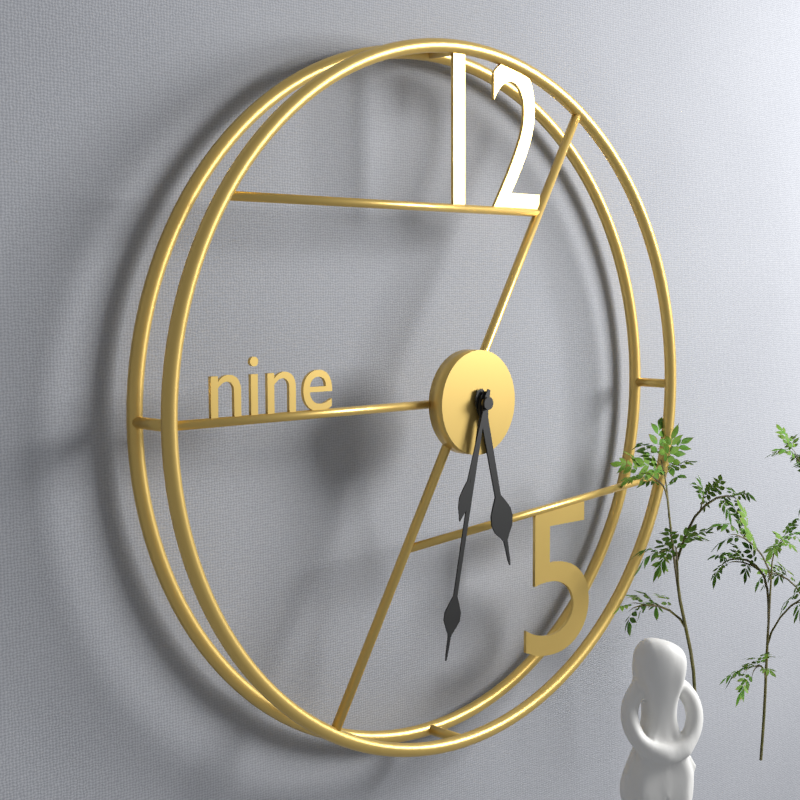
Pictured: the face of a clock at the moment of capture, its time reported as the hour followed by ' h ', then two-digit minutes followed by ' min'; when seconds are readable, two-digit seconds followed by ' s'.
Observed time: 5 h 32 min 33 s
